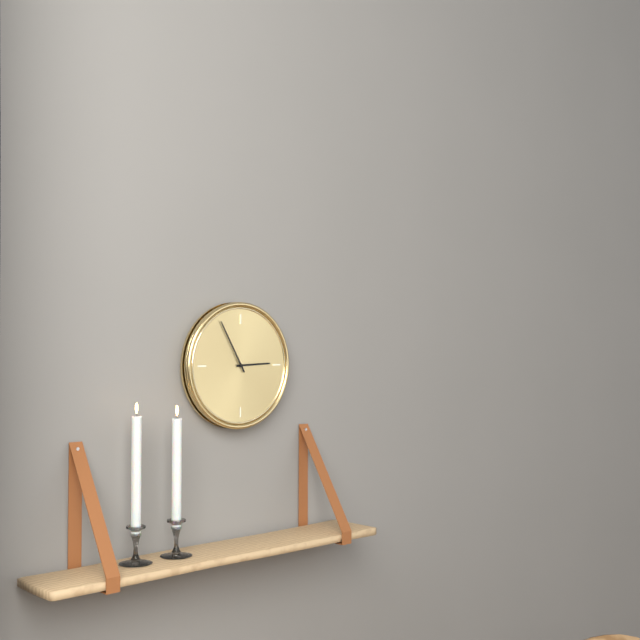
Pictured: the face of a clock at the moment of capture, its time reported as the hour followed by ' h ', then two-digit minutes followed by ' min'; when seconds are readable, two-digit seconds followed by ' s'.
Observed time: 2 h 55 min
